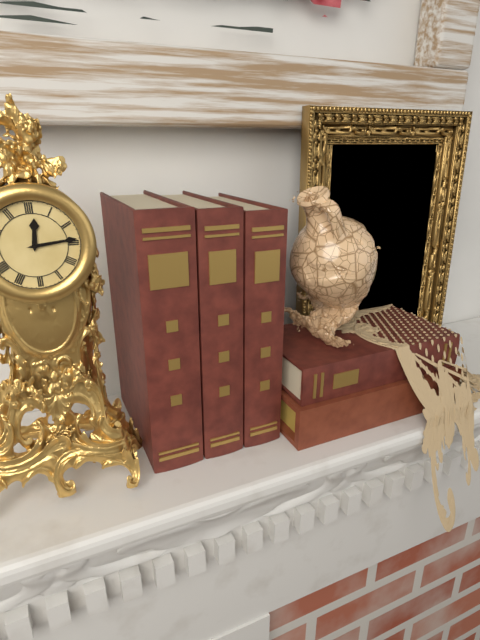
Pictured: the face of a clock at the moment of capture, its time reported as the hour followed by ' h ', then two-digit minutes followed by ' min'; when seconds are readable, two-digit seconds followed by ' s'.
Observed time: 12 h 14 min
